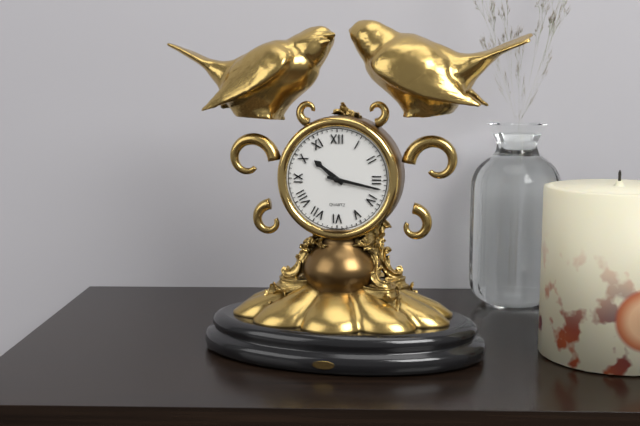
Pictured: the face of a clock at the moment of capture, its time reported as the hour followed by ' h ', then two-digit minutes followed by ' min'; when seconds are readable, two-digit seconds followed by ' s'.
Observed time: 10 h 17 min
